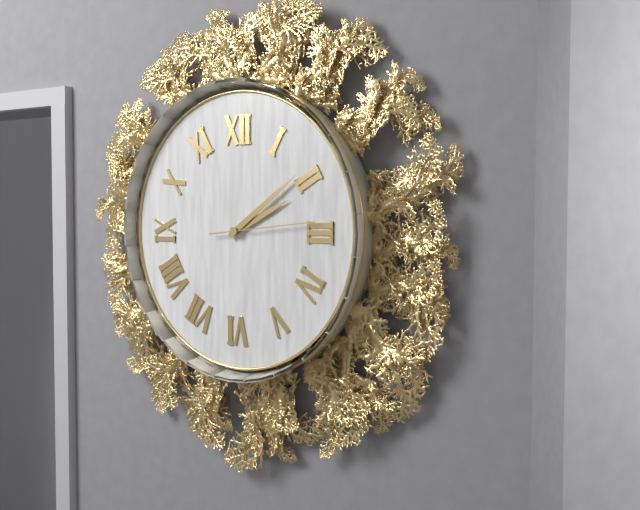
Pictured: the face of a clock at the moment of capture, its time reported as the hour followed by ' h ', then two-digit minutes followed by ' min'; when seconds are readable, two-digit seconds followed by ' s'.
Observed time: 2 h 09 min 14 s
